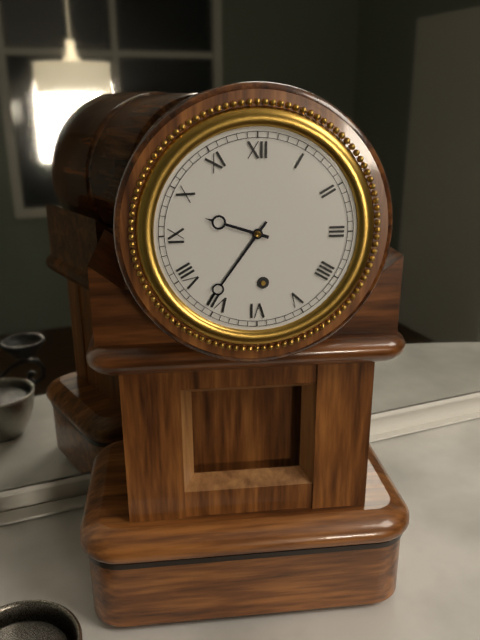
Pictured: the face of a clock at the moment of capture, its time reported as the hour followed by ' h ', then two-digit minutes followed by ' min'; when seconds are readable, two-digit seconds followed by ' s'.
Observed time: 9 h 36 min
